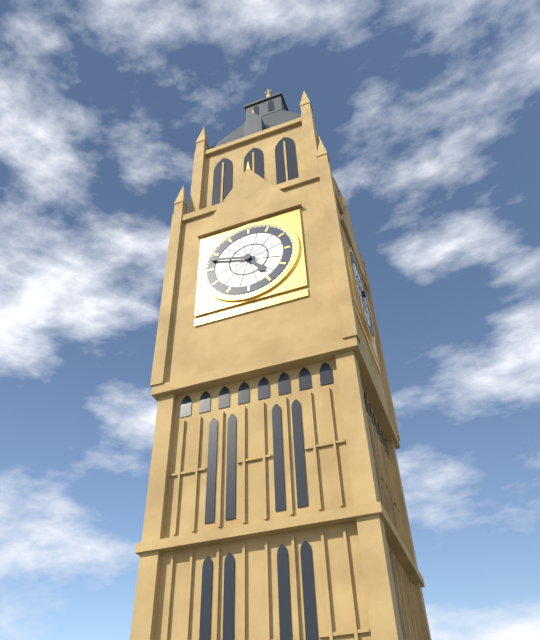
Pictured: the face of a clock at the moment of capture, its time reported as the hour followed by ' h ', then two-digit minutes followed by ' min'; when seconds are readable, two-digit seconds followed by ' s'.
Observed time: 4 h 48 min
